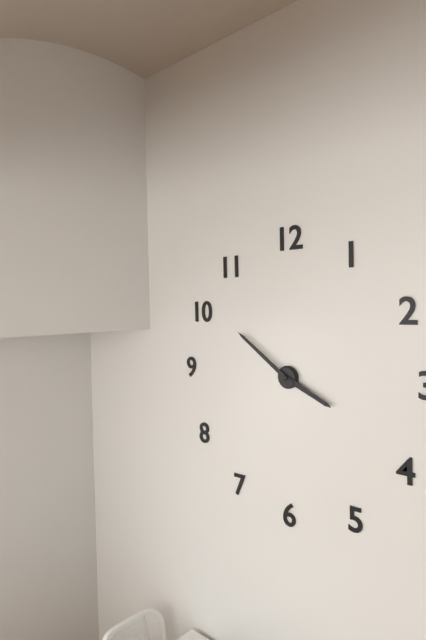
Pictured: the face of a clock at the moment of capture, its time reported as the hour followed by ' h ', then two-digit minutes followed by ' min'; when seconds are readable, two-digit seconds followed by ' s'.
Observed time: 3 h 51 min
